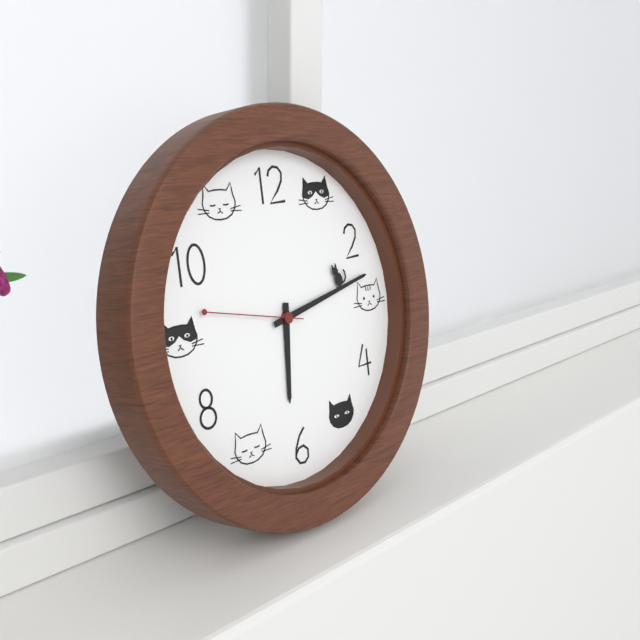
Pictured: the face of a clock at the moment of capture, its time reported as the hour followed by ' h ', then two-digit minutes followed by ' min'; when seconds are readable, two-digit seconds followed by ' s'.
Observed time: 6 h 13 min 47 s
